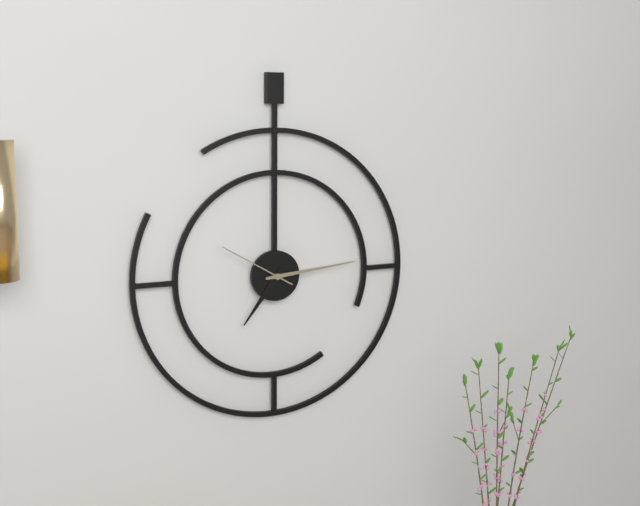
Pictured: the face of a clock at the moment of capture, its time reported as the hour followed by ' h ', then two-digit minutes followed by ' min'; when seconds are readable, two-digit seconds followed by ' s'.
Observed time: 7 h 14 min 50 s
